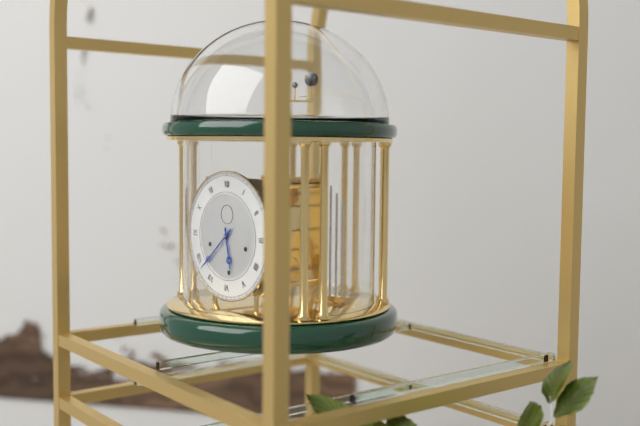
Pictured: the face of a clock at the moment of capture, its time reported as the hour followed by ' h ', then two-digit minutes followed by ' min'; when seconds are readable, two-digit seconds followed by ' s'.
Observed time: 5 h 38 min
